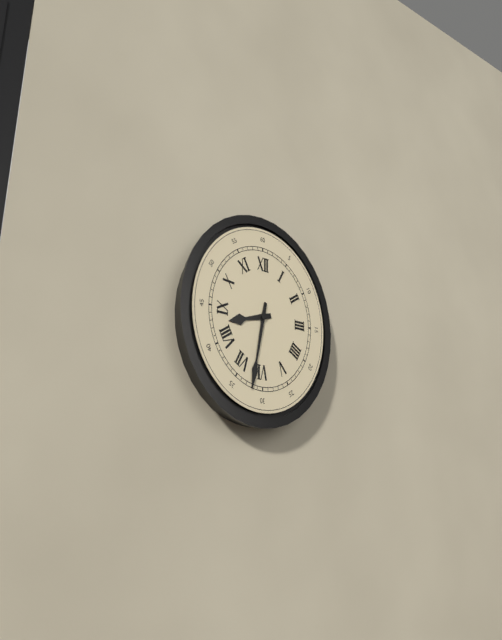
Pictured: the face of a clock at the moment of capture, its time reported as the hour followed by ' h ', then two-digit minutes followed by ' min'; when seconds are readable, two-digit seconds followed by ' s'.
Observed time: 8 h 32 min
